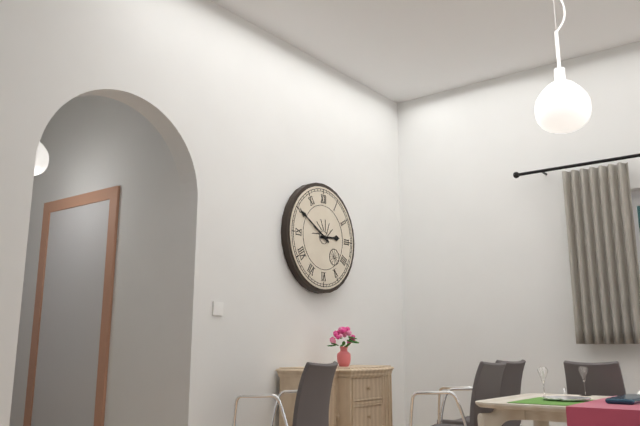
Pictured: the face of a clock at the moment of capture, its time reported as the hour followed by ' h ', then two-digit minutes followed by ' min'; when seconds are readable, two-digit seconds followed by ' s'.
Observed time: 2 h 50 min
